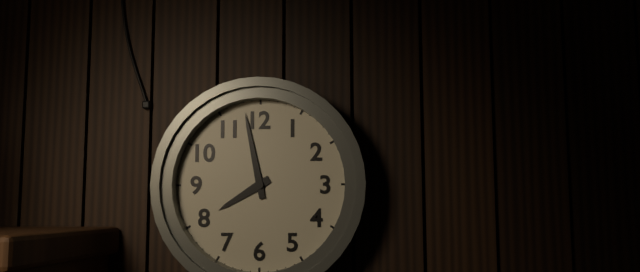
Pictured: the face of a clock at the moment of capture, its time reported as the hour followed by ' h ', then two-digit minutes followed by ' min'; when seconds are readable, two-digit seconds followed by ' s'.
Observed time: 7 h 58 min
